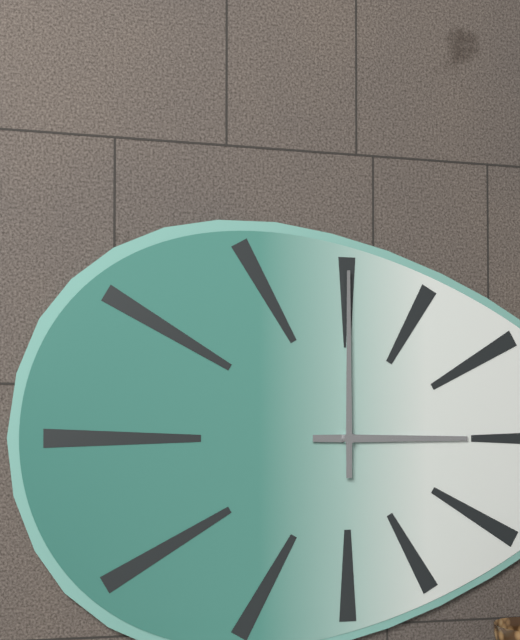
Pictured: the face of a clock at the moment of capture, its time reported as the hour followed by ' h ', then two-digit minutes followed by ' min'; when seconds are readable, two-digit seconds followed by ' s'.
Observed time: 3 h 00 min
